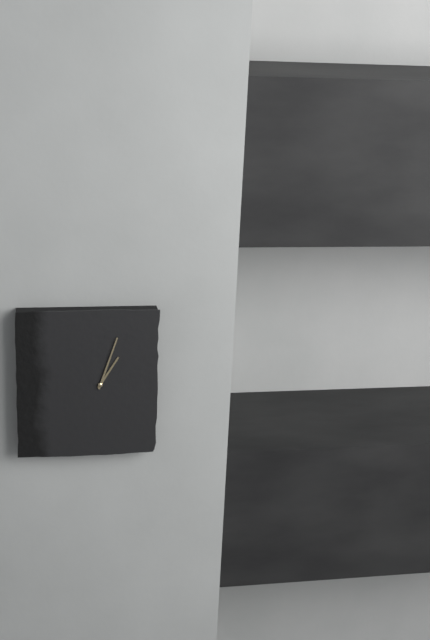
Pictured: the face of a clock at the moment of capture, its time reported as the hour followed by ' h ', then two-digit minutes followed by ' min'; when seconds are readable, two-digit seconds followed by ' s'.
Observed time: 1 h 03 min
